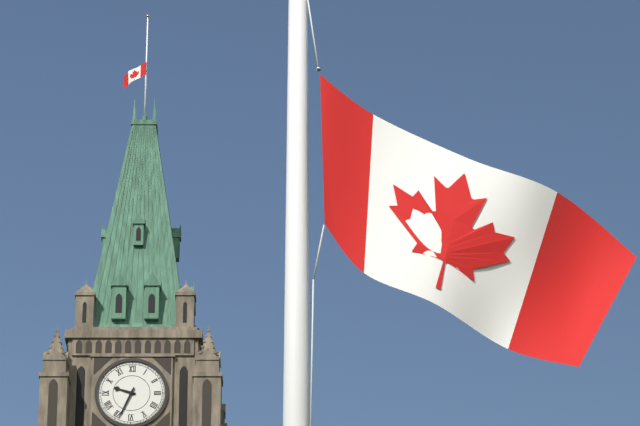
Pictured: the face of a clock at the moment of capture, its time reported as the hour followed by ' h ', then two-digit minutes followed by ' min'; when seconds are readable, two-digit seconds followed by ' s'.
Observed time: 9 h 34 min
